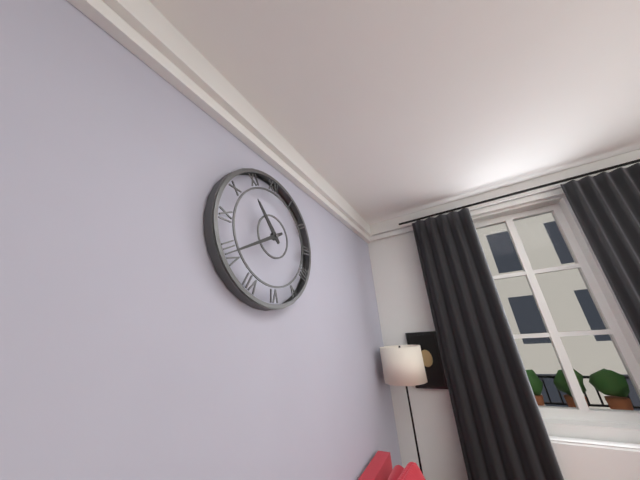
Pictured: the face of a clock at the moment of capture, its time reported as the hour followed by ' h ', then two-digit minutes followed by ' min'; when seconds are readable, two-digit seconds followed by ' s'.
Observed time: 10 h 40 min
